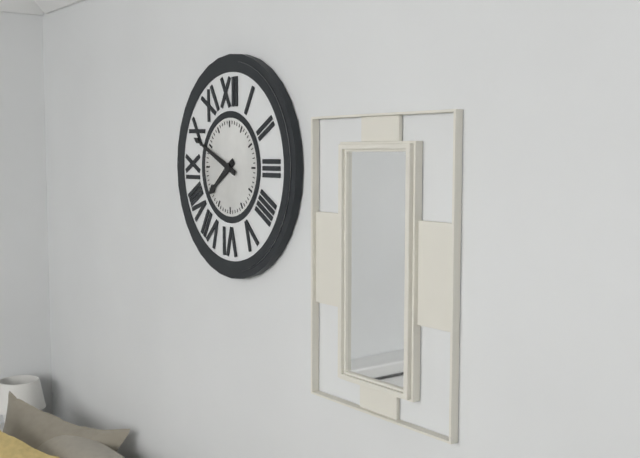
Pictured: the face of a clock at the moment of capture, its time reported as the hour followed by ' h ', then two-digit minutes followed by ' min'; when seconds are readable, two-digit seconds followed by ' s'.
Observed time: 7 h 49 min
